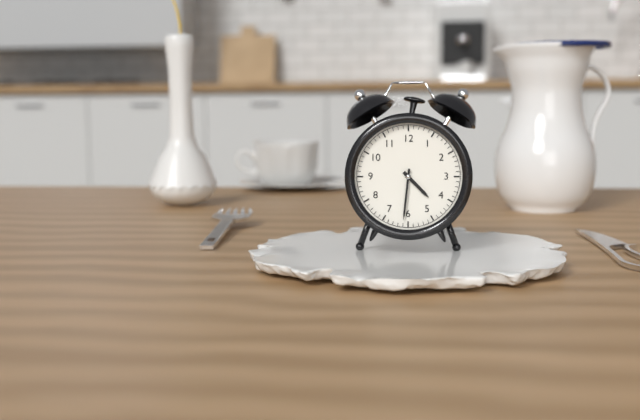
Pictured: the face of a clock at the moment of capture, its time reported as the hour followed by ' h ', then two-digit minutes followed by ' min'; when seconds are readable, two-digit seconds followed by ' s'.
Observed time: 4 h 31 min
